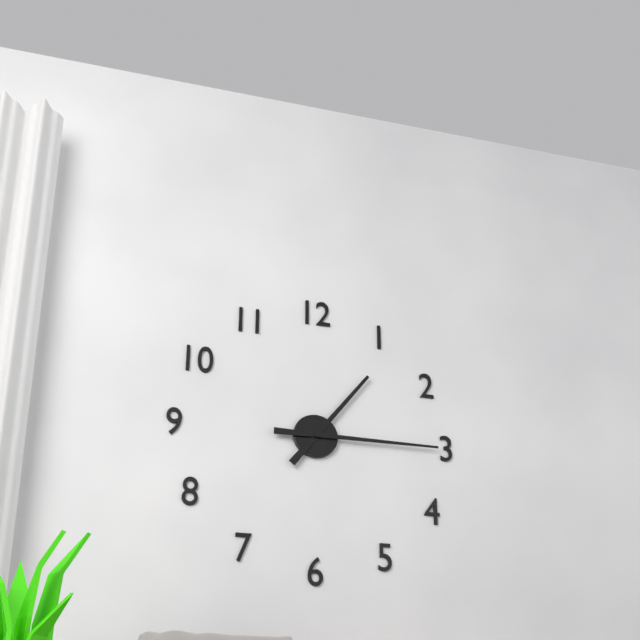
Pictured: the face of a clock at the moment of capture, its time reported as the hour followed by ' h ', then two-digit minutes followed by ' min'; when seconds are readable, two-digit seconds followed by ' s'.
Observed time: 1 h 15 min
